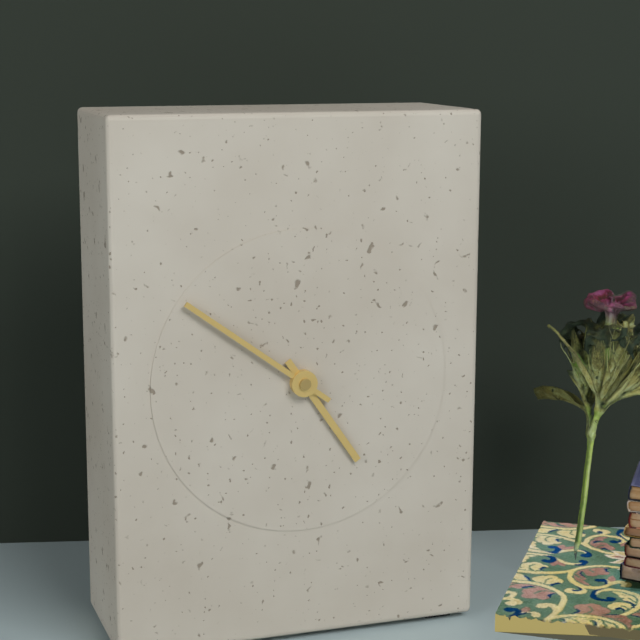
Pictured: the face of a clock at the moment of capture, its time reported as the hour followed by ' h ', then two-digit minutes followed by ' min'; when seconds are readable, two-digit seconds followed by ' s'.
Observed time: 4 h 51 min
